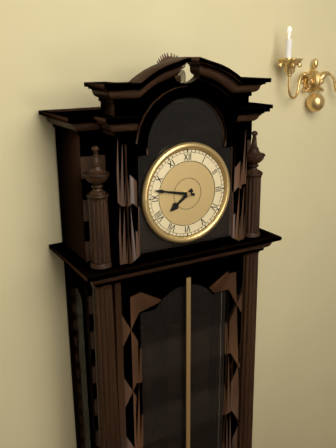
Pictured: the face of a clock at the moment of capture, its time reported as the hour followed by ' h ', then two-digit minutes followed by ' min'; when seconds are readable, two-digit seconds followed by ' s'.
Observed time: 7 h 47 min
